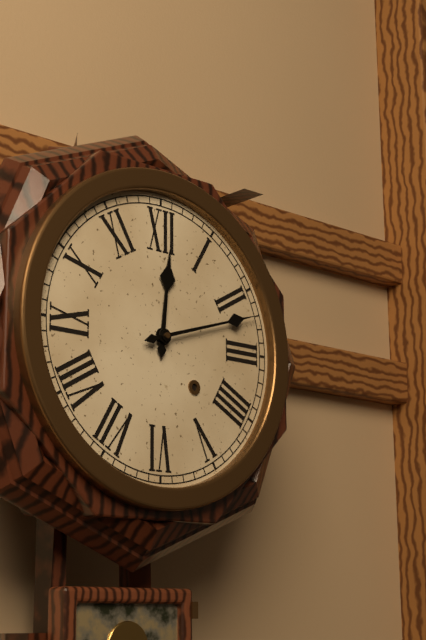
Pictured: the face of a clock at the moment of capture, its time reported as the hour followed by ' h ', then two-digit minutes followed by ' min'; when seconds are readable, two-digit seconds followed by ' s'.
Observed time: 12 h 12 min
